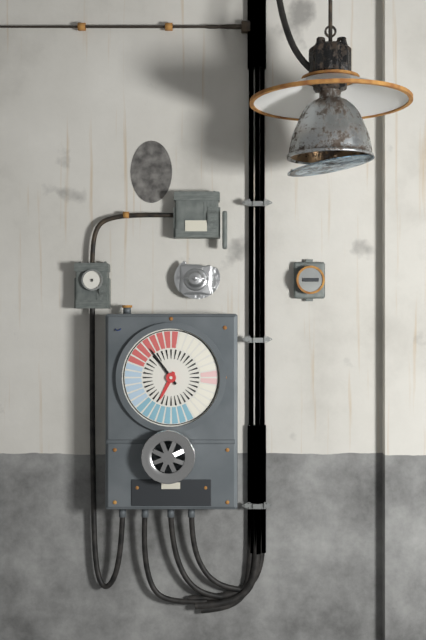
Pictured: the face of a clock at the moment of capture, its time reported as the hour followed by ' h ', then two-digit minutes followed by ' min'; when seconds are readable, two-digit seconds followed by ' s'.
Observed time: 6 h 54 min
